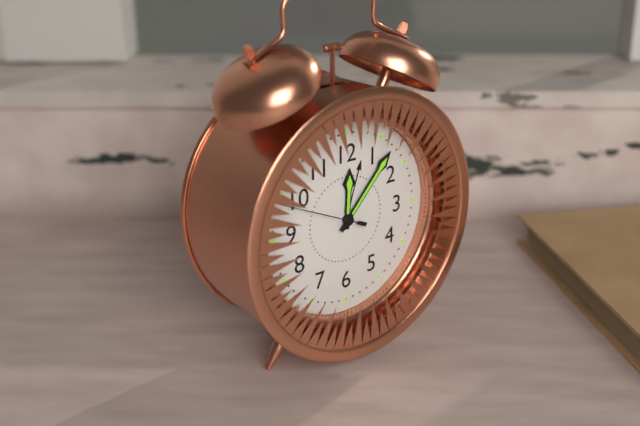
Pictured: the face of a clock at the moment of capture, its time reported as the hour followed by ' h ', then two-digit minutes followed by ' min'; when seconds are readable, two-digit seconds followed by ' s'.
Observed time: 12 h 07 min 49 s
